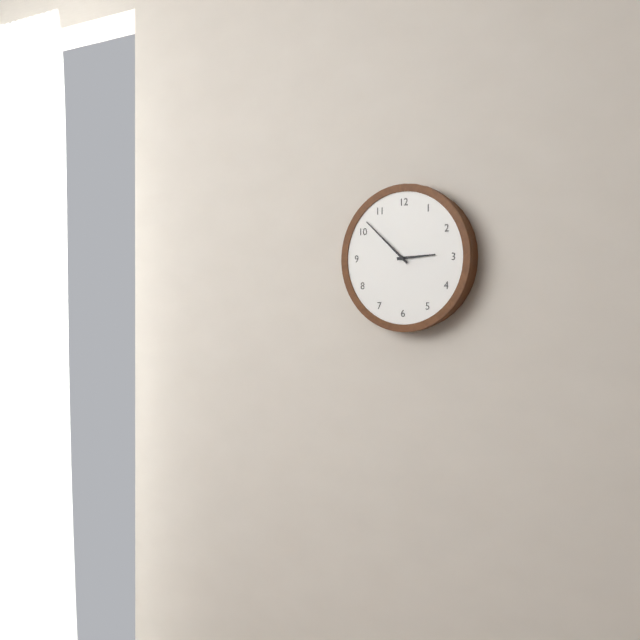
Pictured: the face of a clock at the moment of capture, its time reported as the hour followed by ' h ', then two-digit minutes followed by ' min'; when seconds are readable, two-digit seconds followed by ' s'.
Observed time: 2 h 52 min
